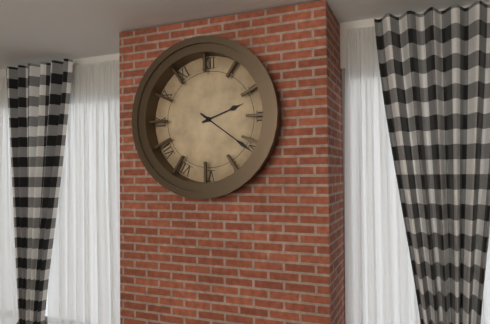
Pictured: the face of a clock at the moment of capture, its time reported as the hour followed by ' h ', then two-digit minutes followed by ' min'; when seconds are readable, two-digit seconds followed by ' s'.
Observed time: 2 h 21 min
